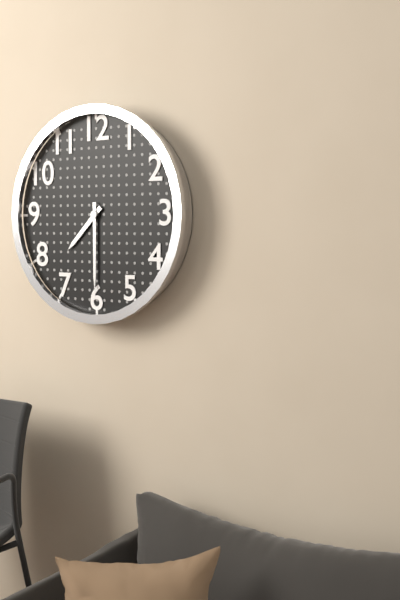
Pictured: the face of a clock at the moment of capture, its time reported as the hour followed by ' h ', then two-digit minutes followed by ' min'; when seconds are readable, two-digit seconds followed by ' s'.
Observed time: 7 h 30 min
